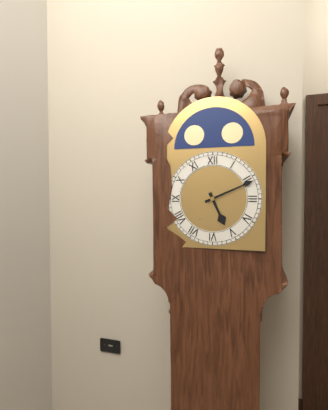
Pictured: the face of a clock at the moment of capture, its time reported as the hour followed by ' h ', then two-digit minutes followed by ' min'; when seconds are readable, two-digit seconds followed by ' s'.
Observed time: 5 h 11 min
